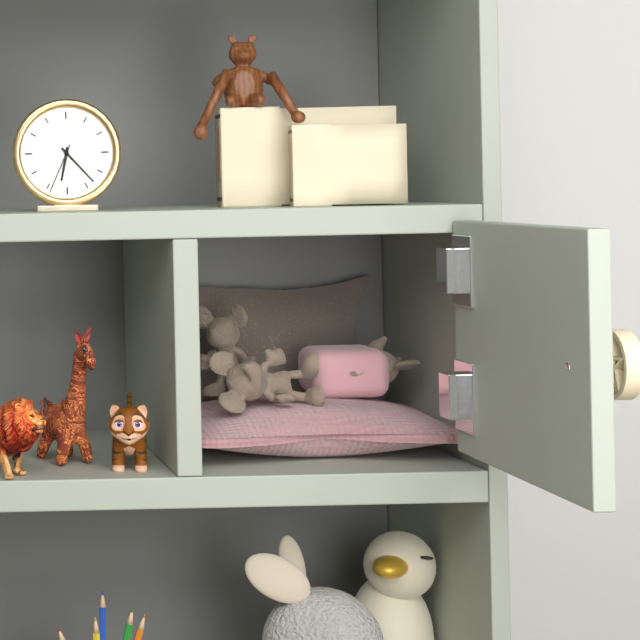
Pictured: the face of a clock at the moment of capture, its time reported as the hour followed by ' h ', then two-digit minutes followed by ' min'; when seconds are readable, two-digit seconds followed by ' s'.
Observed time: 6 h 23 min 34 s
